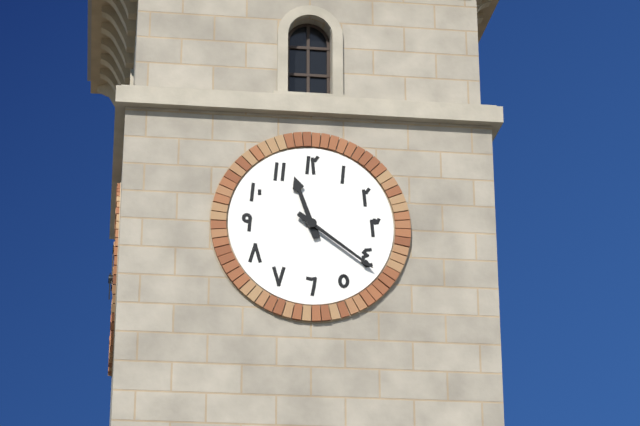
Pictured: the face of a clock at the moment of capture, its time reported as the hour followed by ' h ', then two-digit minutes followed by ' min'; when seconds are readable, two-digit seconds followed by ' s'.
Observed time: 11 h 21 min
